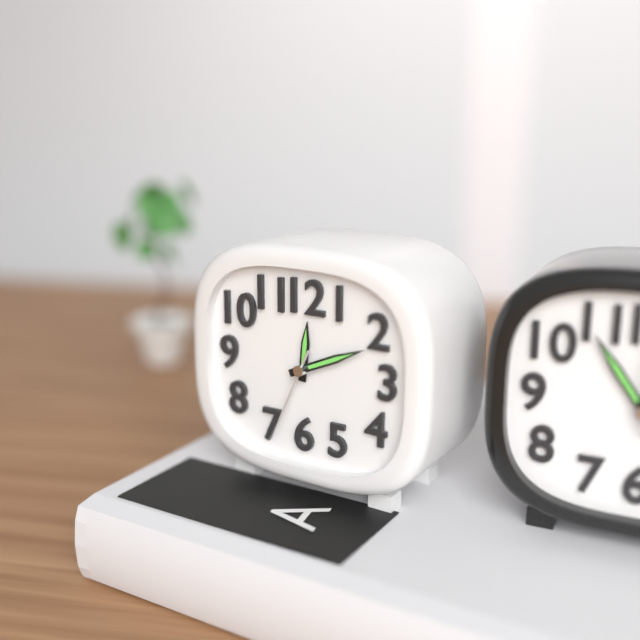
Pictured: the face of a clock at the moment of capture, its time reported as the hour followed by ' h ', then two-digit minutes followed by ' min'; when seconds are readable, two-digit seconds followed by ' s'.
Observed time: 12 h 11 min 34 s
